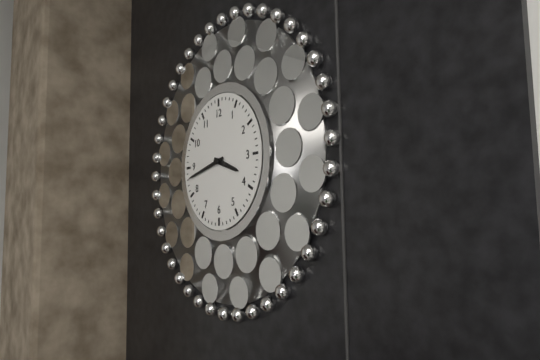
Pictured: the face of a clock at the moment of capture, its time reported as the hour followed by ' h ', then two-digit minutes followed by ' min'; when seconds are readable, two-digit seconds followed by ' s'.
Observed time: 3 h 43 min
